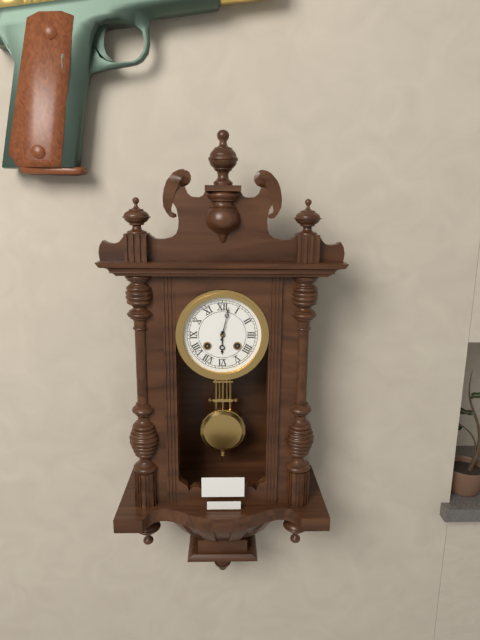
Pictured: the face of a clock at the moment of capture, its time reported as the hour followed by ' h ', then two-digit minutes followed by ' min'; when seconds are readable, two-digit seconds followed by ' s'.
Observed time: 6 h 02 min
